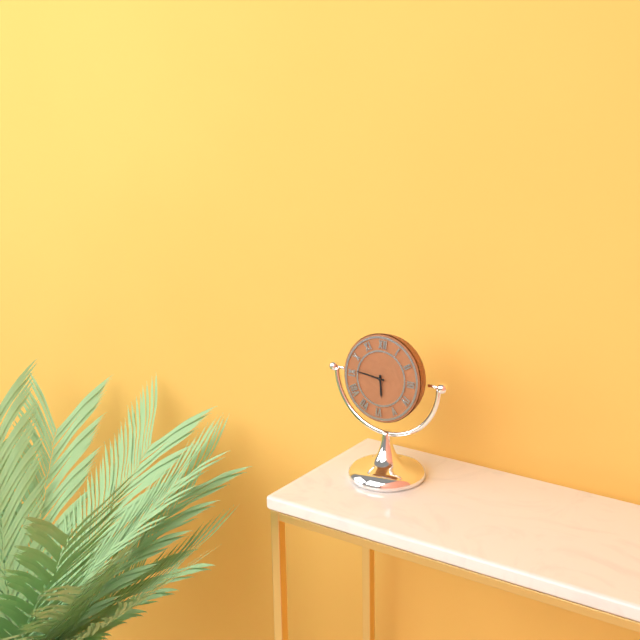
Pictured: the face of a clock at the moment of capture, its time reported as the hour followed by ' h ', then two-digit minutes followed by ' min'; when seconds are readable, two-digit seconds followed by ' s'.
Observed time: 5 h 46 min
